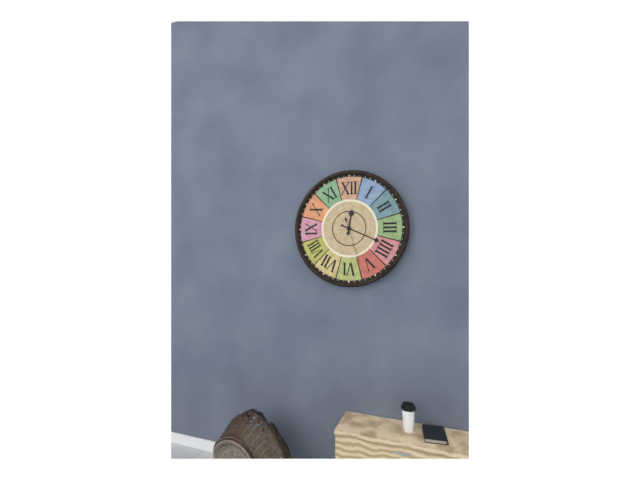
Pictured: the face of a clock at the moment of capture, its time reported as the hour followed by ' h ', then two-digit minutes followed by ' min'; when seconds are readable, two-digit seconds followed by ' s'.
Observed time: 12 h 19 min
